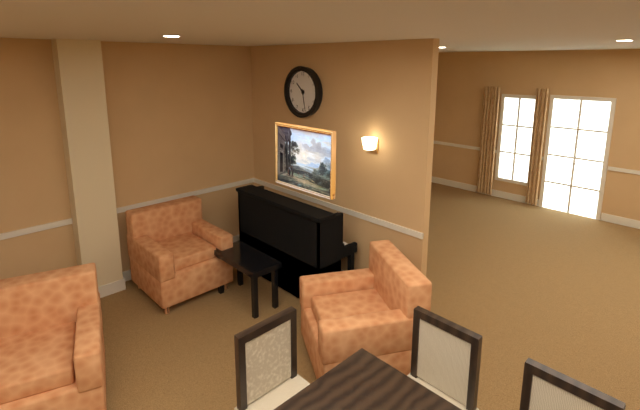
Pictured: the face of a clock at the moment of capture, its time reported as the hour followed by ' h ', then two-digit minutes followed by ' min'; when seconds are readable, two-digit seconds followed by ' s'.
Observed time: 10 h 28 min
